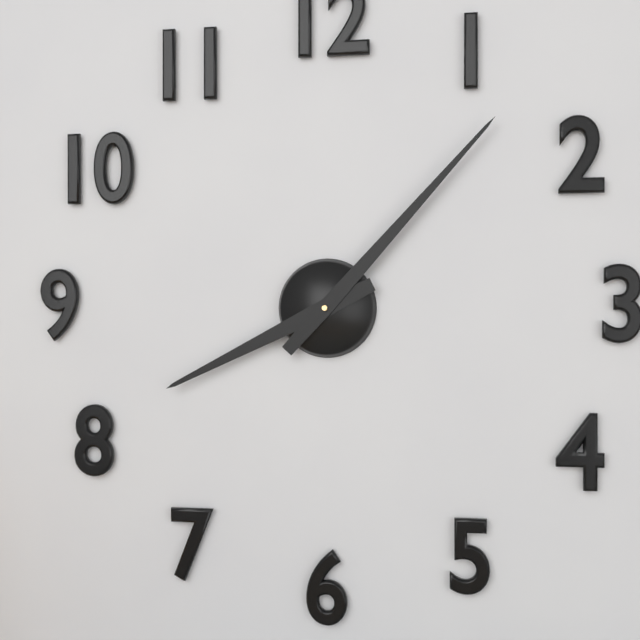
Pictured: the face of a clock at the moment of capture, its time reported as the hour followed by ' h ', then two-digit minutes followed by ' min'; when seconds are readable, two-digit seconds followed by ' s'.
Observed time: 8 h 07 min
